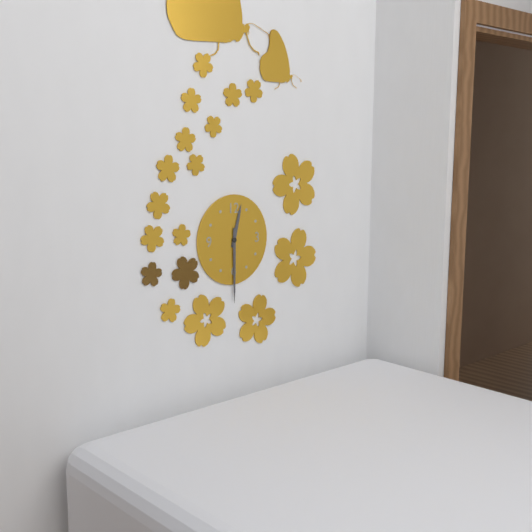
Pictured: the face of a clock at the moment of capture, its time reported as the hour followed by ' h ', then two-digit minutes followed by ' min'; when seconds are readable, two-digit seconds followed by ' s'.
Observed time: 12 h 30 min
